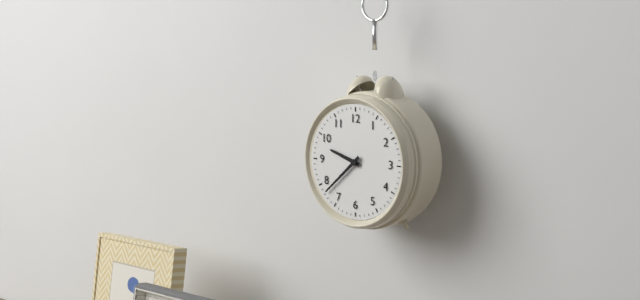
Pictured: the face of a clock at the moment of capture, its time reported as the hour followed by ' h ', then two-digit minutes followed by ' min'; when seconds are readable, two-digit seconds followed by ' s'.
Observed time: 9 h 38 min
